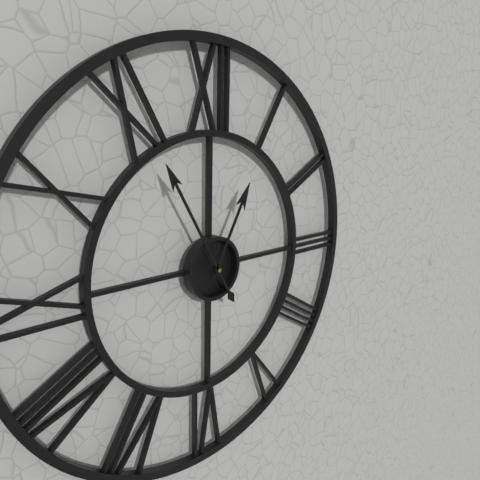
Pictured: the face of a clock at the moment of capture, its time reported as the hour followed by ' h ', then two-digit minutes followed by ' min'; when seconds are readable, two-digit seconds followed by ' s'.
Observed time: 12 h 55 min
